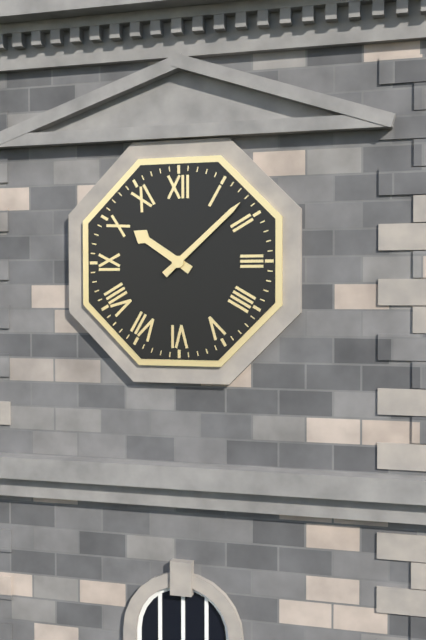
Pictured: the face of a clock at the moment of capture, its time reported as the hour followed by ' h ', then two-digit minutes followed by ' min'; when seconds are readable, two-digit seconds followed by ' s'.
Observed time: 10 h 08 min
